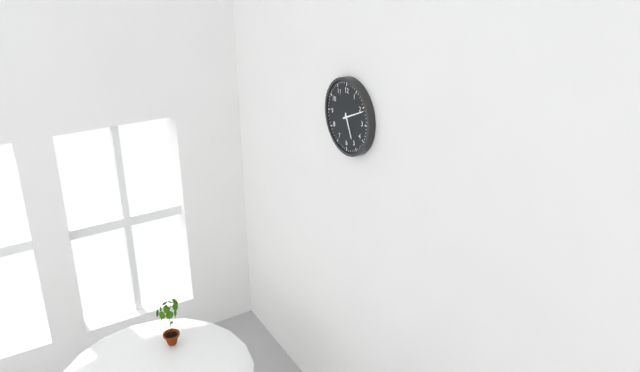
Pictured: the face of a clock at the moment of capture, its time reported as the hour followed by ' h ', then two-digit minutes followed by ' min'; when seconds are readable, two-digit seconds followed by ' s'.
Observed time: 5 h 11 min
